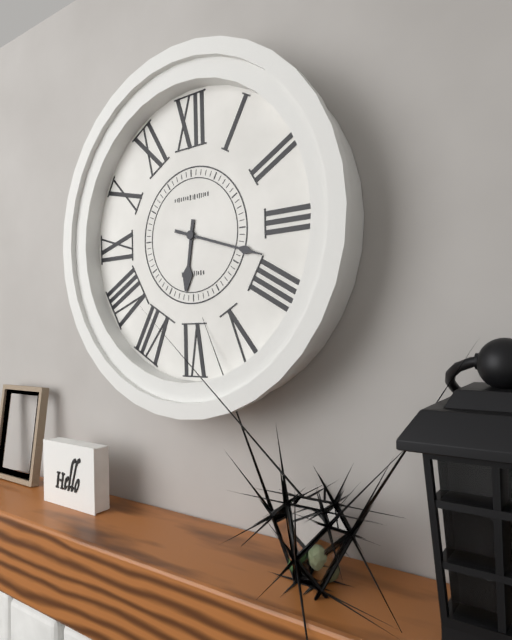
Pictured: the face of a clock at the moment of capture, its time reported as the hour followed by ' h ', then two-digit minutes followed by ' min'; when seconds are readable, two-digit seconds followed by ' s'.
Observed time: 6 h 18 min
